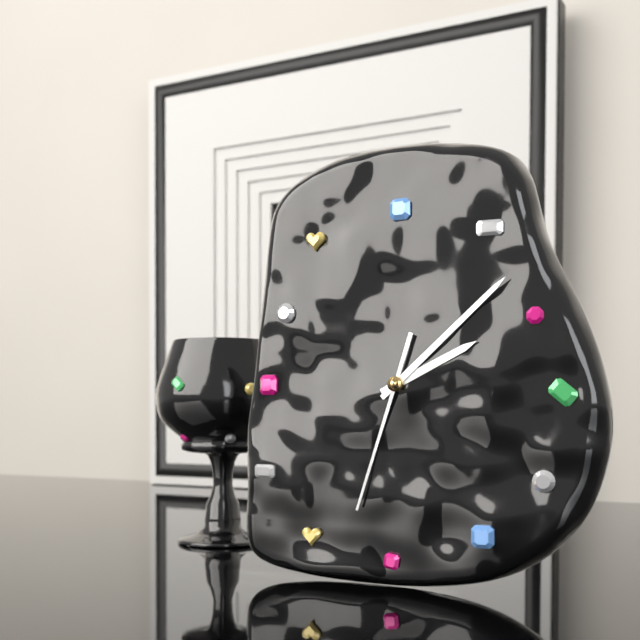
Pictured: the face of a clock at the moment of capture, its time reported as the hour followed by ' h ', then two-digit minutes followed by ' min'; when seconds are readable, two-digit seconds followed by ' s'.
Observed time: 2 h 08 min 33 s
